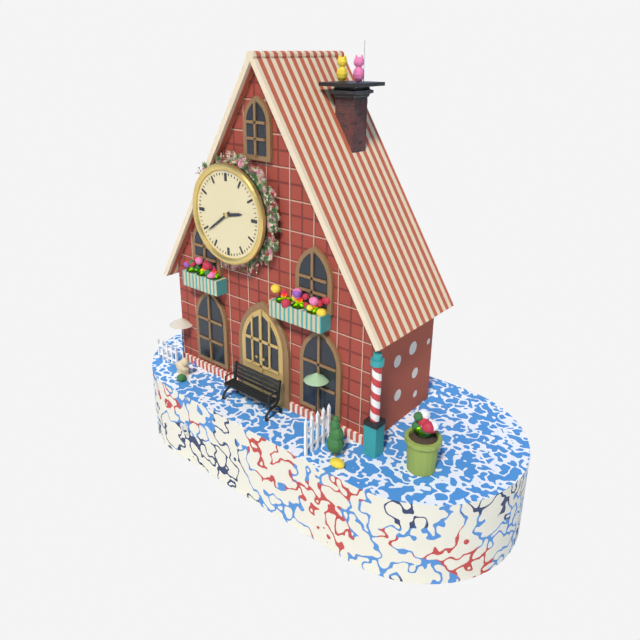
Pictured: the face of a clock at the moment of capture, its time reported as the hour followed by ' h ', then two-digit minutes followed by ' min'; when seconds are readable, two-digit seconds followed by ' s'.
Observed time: 2 h 39 min
